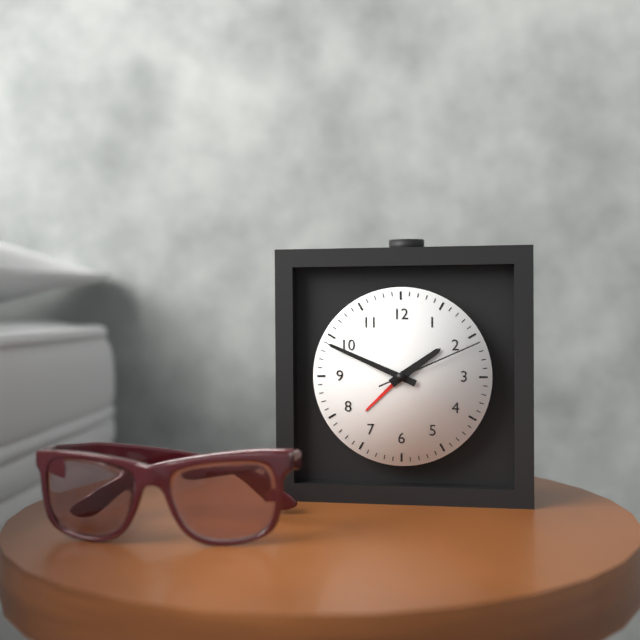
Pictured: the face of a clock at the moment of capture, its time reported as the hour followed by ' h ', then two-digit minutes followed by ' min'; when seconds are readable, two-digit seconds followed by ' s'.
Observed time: 1 h 49 min 11 s
